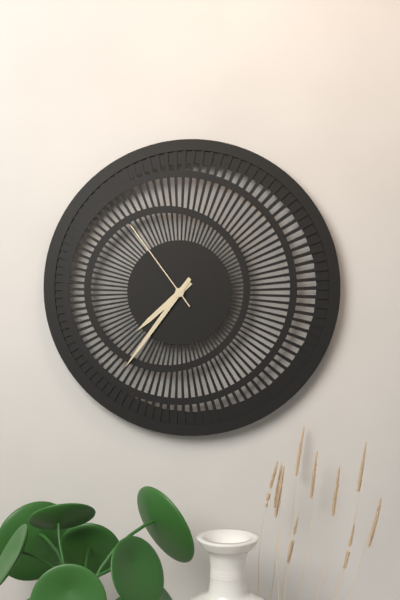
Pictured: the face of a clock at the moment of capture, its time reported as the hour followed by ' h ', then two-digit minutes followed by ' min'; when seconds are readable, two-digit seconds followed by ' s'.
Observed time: 7 h 36 min 54 s
